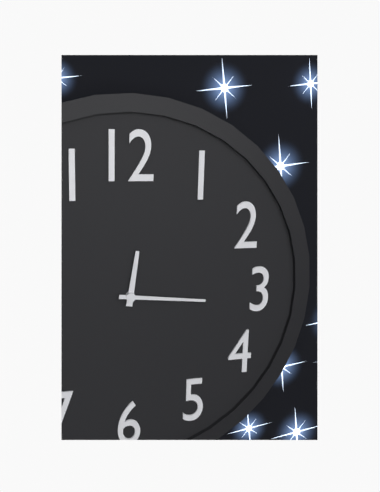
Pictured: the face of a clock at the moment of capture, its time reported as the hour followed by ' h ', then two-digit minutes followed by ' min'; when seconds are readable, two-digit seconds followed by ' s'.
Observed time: 12 h 16 min
